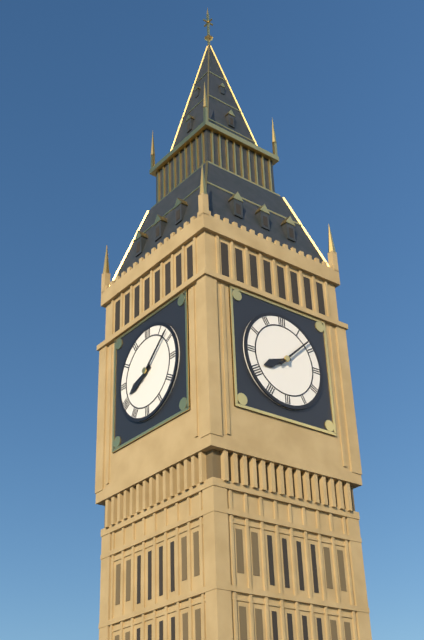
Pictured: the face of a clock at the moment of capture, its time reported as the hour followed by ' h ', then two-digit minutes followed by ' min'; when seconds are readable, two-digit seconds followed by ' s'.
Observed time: 8 h 08 min
